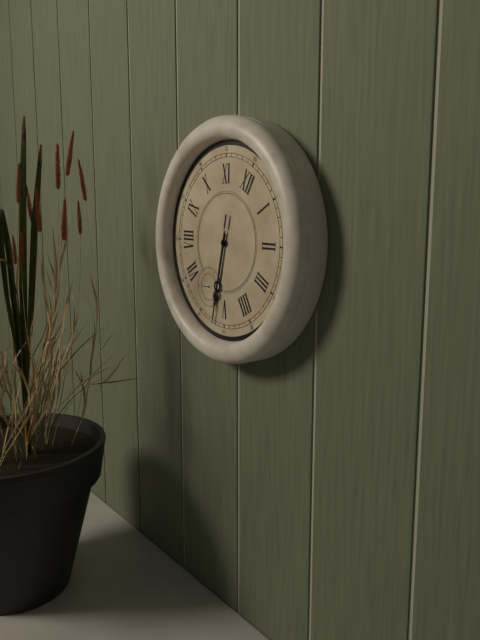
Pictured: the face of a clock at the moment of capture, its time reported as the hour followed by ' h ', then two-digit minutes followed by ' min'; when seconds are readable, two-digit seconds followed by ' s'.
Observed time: 5 h 27 min 27 s
